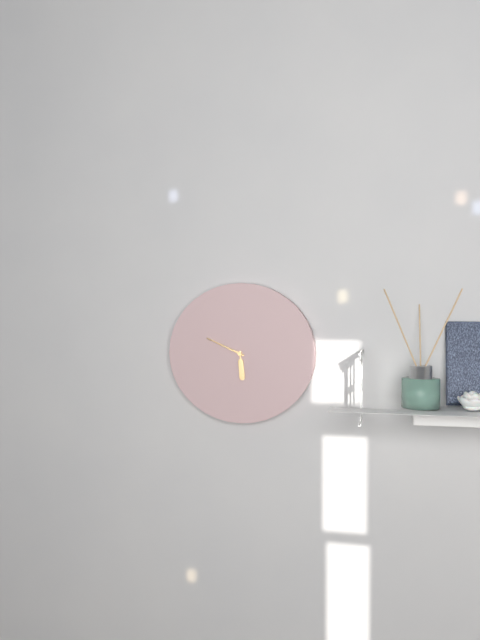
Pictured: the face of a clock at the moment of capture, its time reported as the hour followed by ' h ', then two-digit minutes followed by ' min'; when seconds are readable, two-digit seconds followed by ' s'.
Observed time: 5 h 49 min
